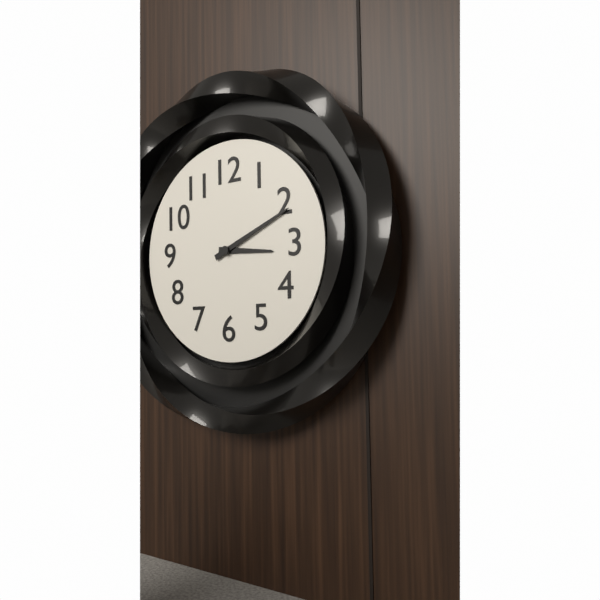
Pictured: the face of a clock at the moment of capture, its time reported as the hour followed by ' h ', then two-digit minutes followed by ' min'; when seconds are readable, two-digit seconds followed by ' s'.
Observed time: 3 h 11 min
